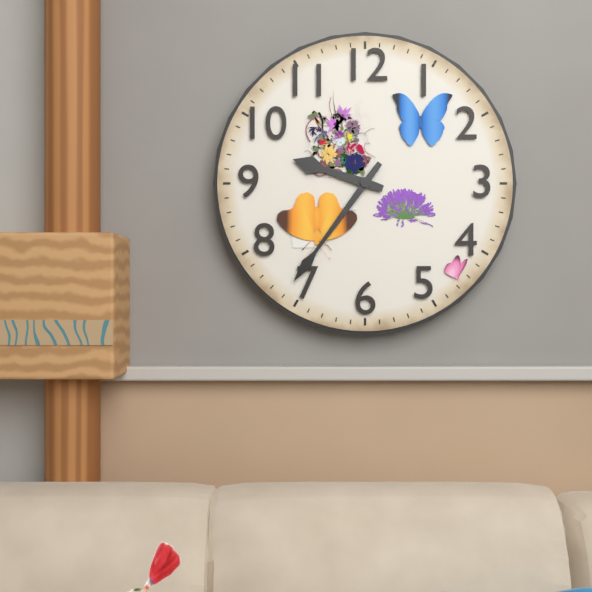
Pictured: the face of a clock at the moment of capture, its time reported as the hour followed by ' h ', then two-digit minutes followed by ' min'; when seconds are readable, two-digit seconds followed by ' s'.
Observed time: 9 h 36 min
